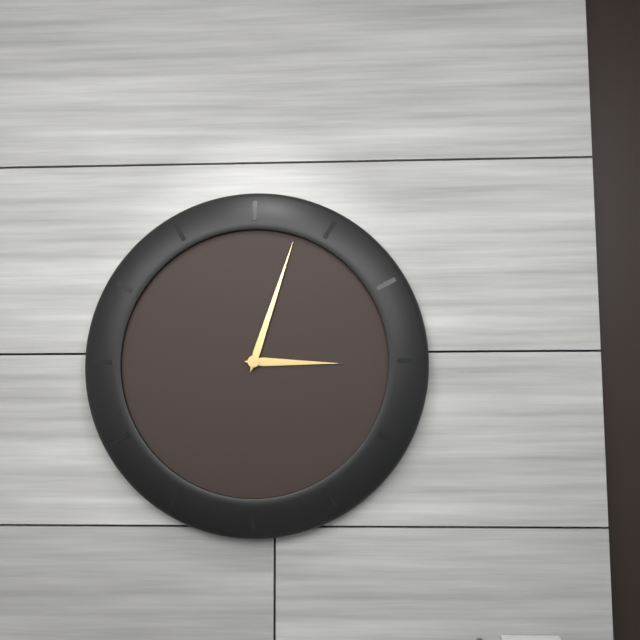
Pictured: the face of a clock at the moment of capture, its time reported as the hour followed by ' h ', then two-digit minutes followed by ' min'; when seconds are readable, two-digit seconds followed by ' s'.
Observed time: 3 h 03 min
